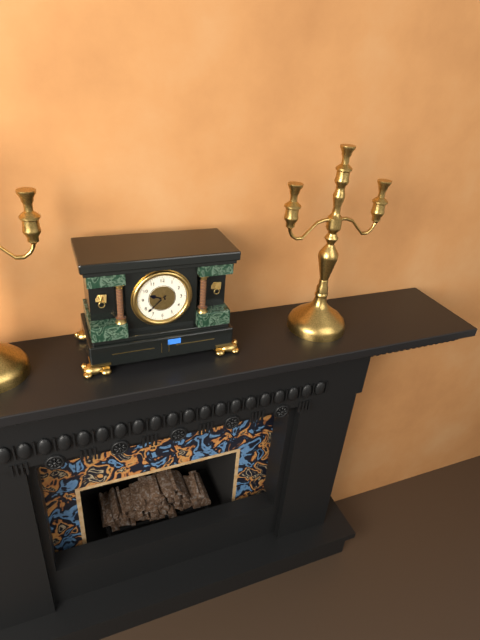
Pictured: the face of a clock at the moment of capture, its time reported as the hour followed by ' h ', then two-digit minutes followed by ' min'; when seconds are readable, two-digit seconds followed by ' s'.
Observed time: 9 h 38 min
